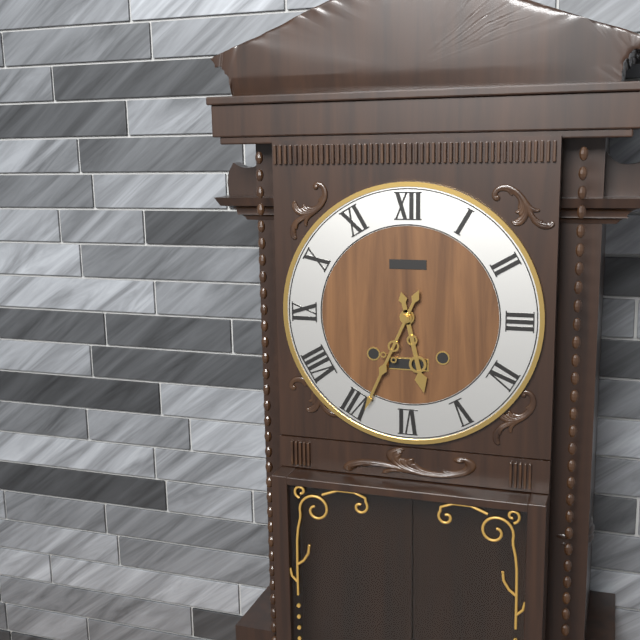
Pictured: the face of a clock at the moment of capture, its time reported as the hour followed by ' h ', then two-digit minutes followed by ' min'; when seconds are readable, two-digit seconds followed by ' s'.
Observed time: 5 h 34 min
